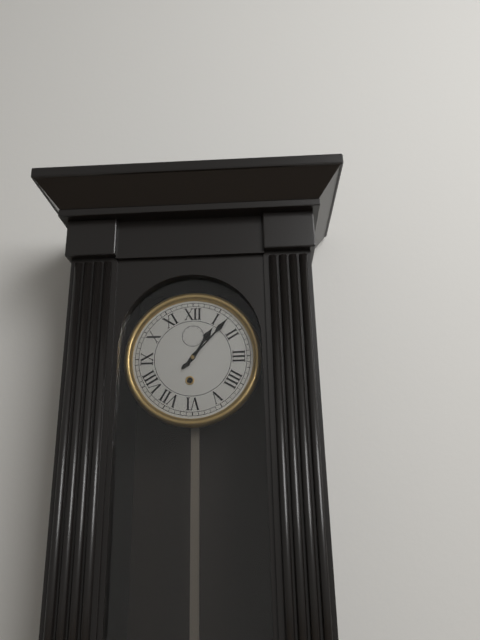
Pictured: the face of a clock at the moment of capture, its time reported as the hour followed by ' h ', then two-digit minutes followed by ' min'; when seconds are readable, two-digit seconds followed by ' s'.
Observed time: 1 h 07 min
